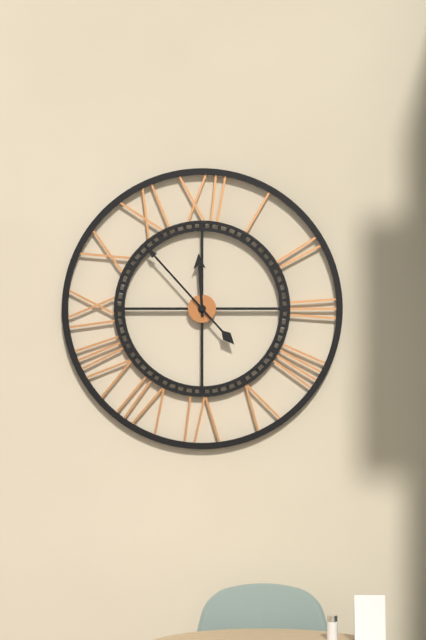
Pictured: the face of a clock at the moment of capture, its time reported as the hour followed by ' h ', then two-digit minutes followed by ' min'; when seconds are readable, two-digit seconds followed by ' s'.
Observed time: 11 h 53 min
